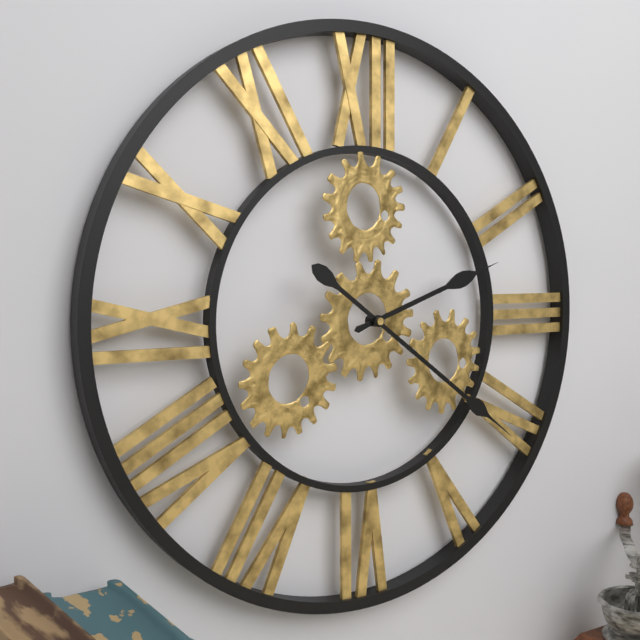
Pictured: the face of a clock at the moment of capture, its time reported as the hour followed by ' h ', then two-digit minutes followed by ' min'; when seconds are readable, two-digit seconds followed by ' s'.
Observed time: 2 h 21 min
